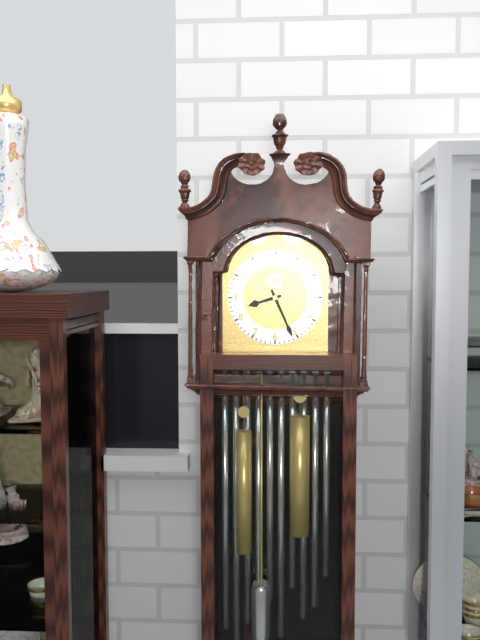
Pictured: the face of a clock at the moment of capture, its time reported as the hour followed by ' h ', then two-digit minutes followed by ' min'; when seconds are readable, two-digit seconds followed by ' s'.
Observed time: 8 h 26 min
